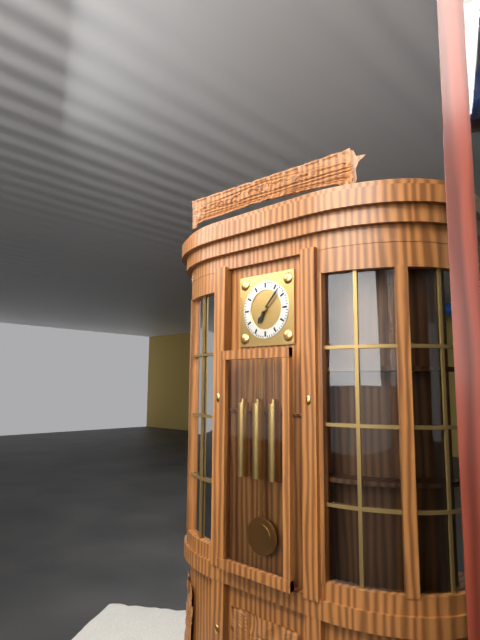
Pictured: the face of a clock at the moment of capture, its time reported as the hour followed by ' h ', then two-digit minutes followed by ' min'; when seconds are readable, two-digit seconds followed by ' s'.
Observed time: 7 h 07 min
